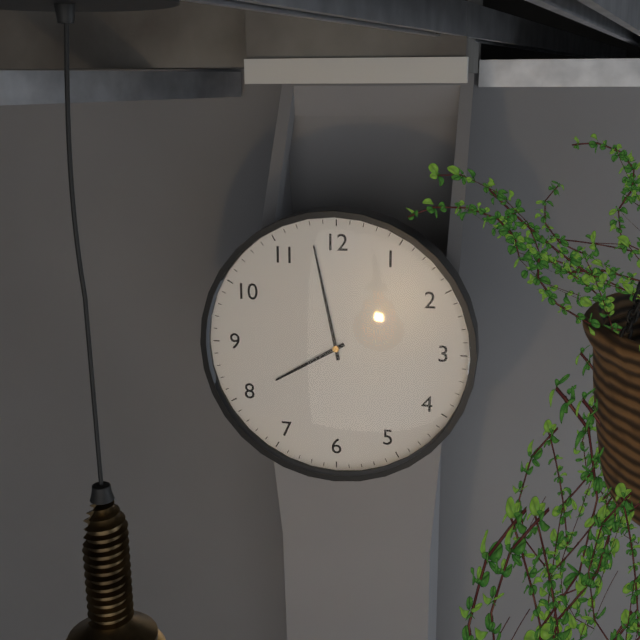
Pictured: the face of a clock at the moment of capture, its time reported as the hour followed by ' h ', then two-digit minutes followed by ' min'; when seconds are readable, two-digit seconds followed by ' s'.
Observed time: 7 h 58 min
